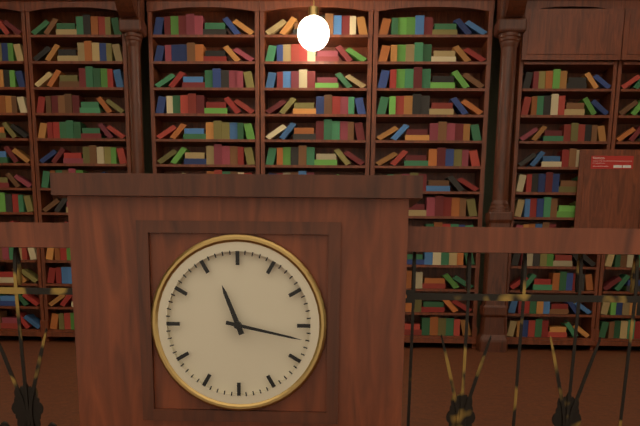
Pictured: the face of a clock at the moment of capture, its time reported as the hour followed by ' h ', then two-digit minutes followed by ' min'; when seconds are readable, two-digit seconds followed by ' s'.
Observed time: 11 h 17 min
